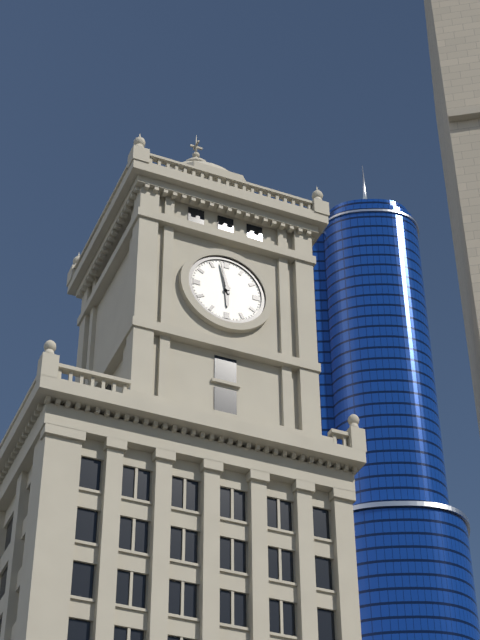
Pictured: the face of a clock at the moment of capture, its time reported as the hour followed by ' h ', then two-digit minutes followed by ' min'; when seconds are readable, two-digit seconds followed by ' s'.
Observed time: 5 h 58 min
